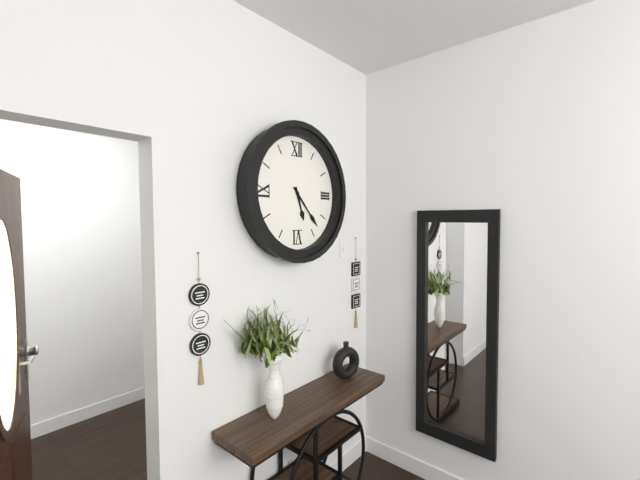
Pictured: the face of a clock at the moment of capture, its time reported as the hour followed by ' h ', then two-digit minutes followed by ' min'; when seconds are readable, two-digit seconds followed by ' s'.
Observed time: 5 h 23 min
